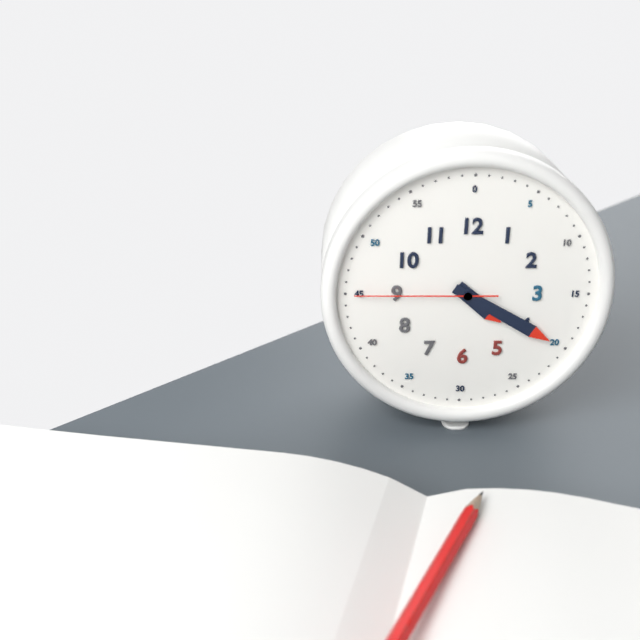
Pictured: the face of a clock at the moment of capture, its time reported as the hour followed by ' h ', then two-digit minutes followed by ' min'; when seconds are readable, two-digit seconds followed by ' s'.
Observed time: 4 h 20 min 45 s
